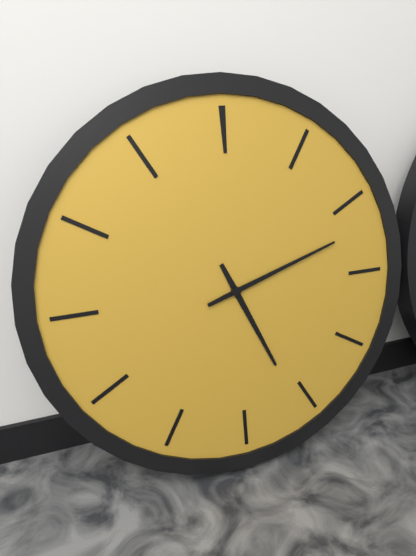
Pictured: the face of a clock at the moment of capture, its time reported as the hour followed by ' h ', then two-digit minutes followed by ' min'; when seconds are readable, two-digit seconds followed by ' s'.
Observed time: 5 h 12 min
